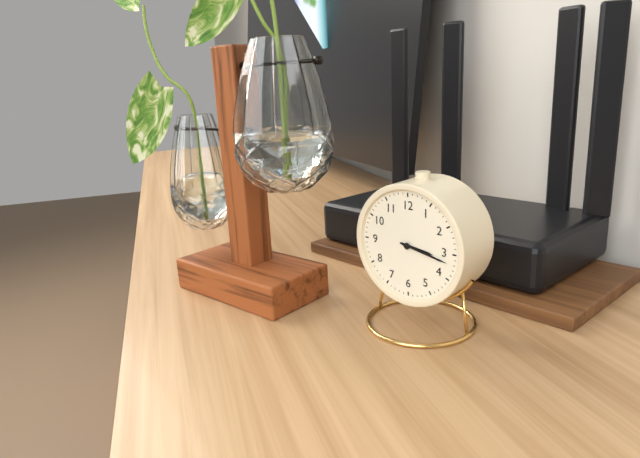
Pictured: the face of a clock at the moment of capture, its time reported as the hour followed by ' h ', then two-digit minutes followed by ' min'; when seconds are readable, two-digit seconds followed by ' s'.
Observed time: 3 h 17 min
